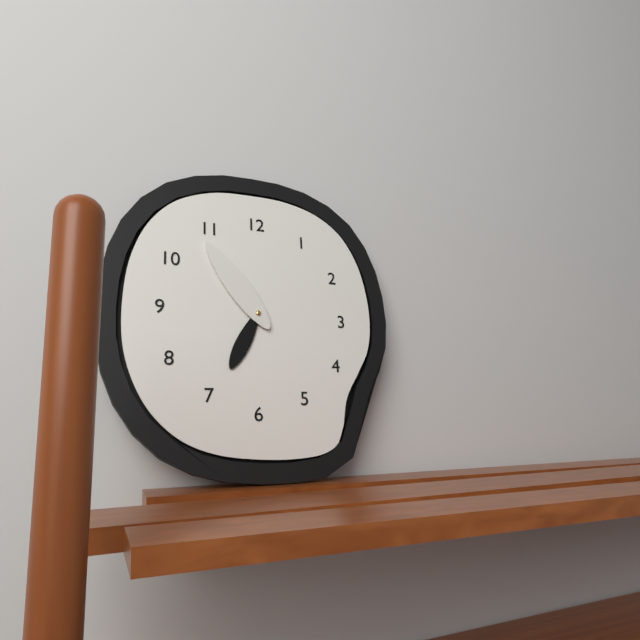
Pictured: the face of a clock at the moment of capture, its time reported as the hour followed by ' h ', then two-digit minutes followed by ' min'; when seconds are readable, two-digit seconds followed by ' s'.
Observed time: 6 h 54 min
